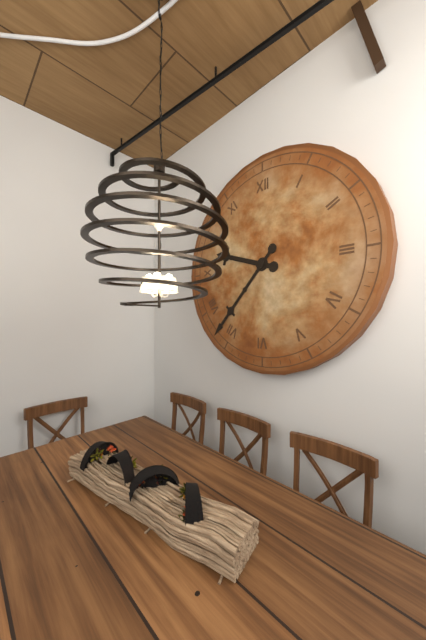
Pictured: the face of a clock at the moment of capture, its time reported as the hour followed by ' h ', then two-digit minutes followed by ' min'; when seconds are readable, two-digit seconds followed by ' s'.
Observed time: 9 h 37 min
